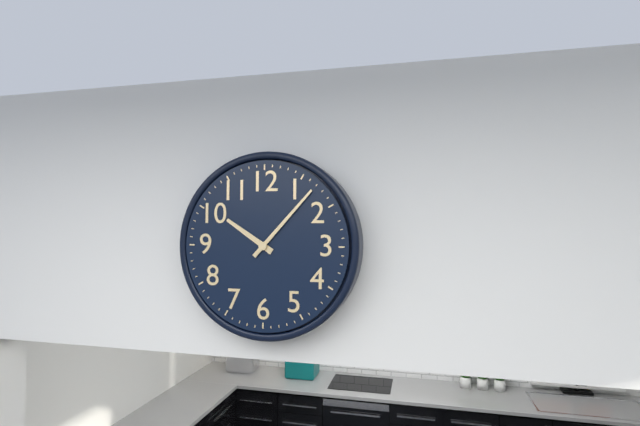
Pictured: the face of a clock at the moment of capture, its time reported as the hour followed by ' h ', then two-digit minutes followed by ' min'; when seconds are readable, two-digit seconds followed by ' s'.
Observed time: 10 h 07 min
